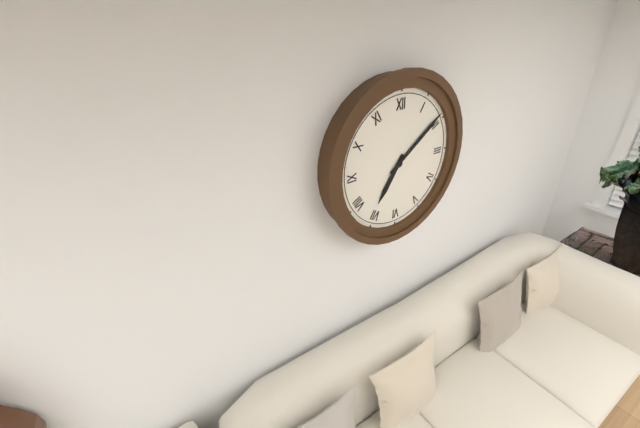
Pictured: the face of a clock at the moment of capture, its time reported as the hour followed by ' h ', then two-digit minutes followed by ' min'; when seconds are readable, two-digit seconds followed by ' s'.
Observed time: 7 h 09 min
